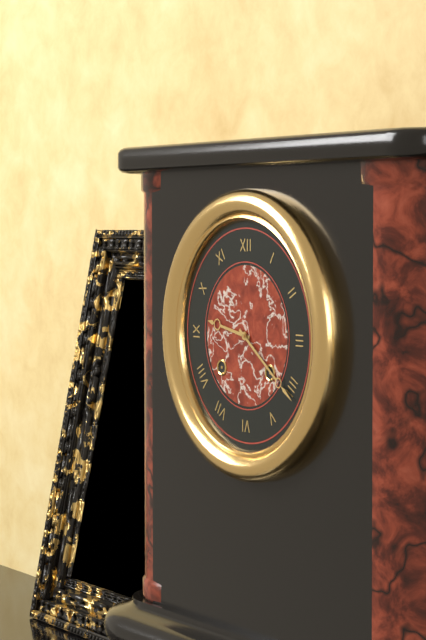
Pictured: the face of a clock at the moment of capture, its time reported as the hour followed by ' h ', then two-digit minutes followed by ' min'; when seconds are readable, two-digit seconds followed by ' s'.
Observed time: 9 h 21 min
